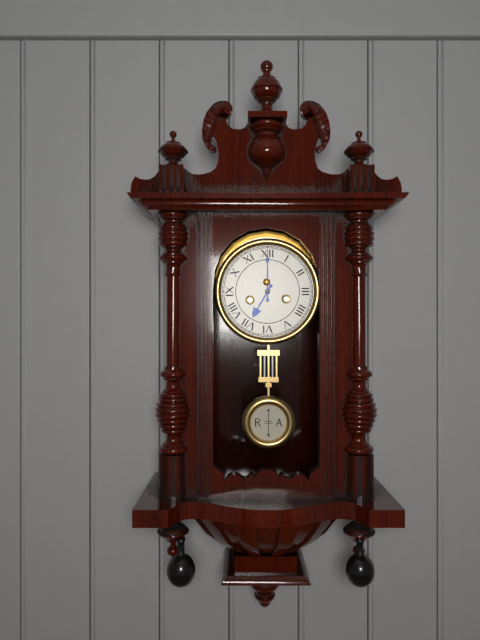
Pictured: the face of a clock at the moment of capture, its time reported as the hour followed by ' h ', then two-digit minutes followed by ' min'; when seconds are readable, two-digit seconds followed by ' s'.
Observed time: 7 h 00 min
